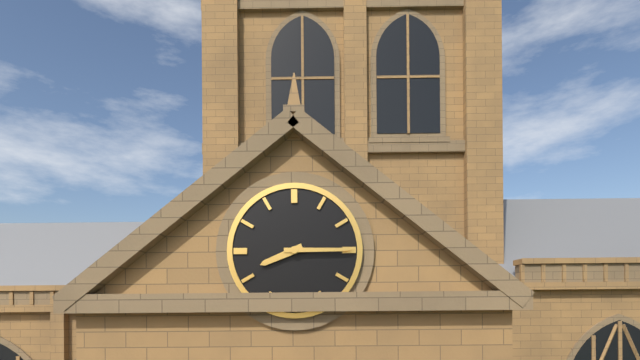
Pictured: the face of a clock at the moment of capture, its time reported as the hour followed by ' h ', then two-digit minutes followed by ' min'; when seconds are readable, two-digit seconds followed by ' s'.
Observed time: 8 h 15 min
